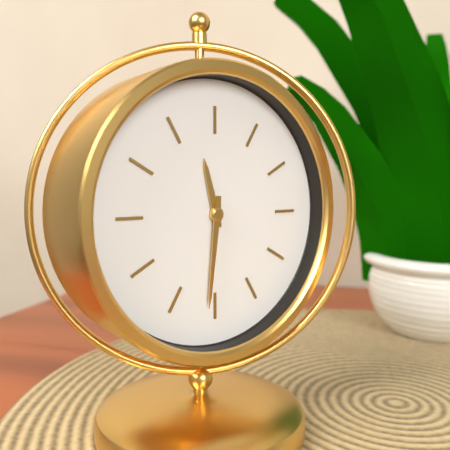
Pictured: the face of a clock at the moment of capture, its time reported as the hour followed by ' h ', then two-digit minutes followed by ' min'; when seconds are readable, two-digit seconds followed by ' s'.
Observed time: 11 h 31 min
